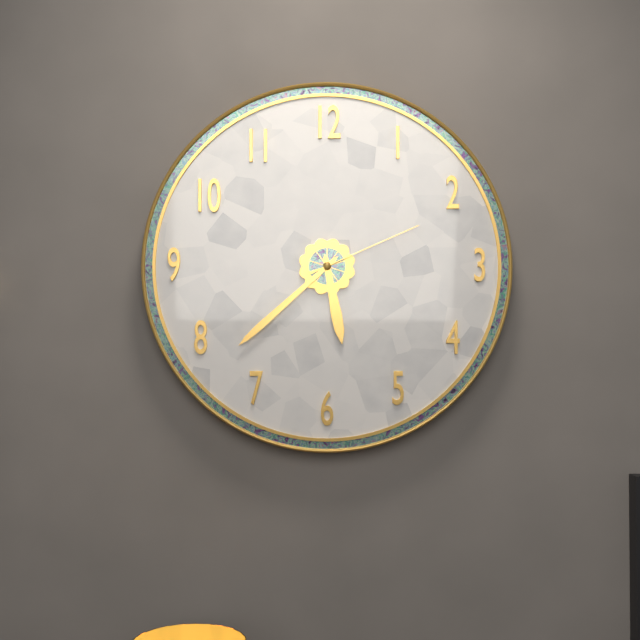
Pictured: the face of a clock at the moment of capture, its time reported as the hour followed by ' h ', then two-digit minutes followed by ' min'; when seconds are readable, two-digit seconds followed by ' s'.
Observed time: 5 h 38 min 11 s
